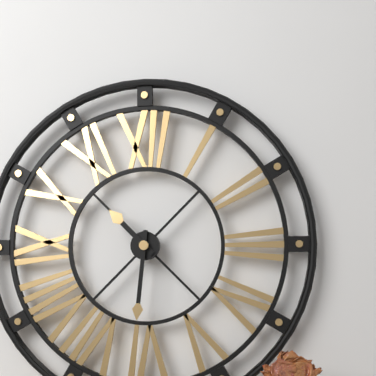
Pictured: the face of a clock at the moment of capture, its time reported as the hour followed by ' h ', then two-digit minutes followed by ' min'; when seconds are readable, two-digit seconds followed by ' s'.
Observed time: 10 h 31 min
